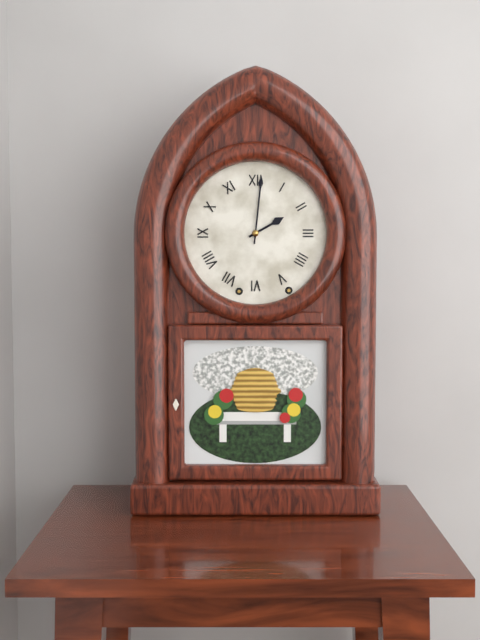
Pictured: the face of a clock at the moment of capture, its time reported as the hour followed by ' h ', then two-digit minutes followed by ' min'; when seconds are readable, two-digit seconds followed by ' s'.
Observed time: 2 h 01 min
